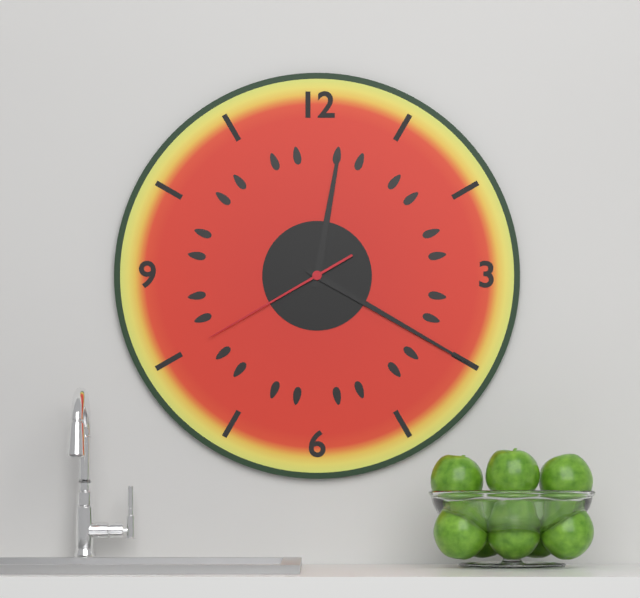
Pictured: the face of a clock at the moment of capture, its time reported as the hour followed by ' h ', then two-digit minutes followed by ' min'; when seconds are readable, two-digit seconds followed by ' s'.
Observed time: 12 h 20 min 40 s
